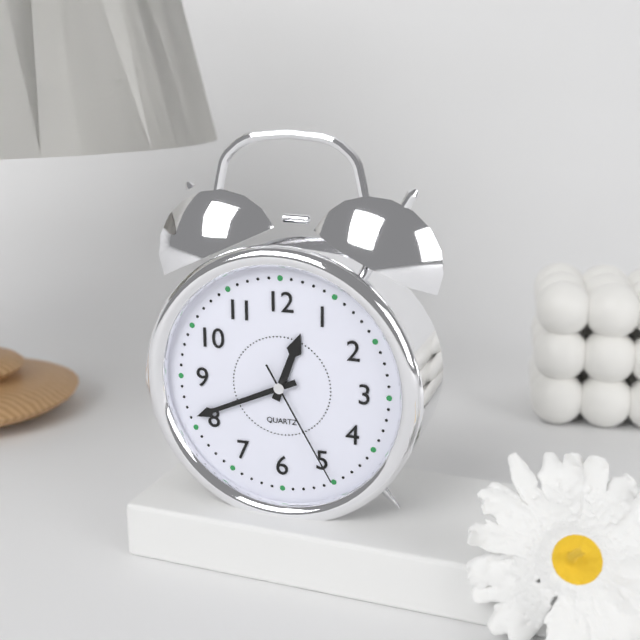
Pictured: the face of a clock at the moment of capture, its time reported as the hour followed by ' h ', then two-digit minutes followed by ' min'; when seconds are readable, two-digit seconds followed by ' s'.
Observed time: 12 h 41 min 25 s
